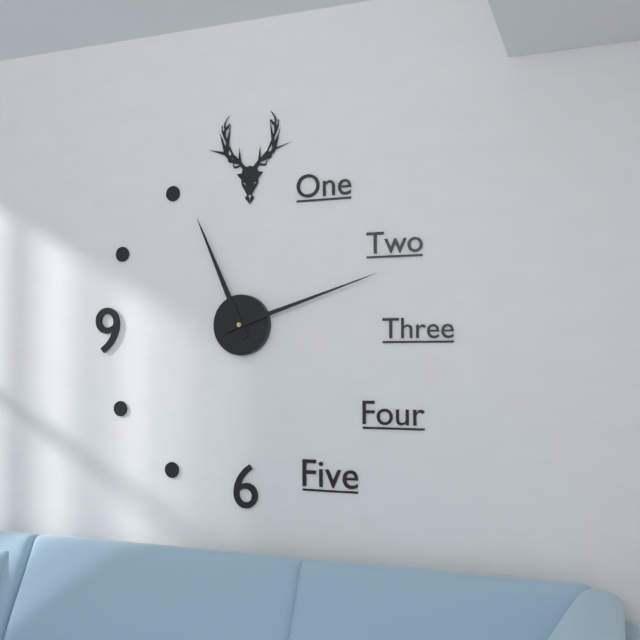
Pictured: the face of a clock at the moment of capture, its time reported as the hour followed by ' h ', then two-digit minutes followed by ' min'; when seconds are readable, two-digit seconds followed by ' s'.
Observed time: 11 h 12 min
